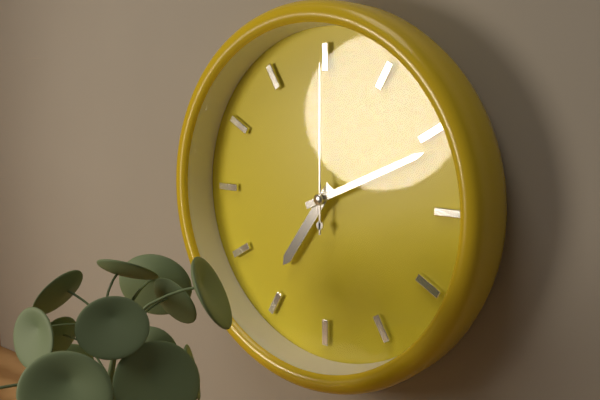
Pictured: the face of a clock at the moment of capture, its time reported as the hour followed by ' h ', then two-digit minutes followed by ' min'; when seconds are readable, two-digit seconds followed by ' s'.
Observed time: 7 h 11 min 00 s
